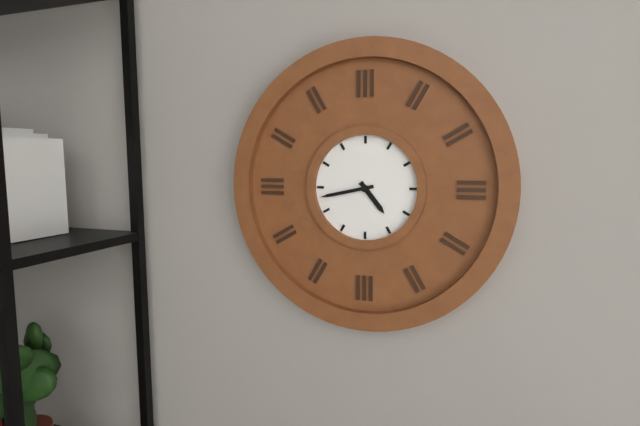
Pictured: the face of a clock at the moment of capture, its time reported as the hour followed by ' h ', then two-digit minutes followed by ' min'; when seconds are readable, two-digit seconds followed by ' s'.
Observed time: 4 h 43 min
